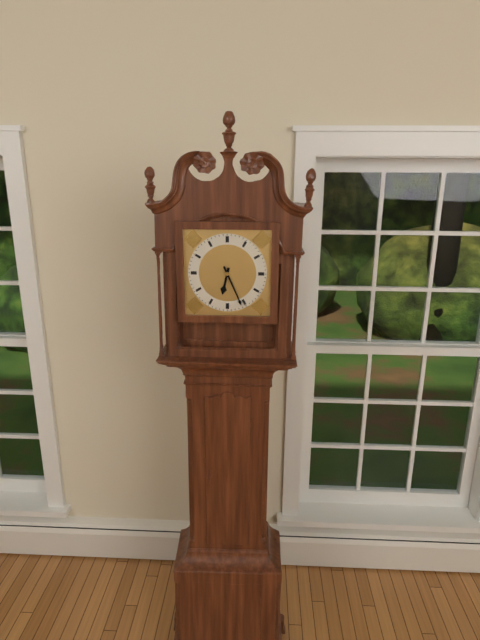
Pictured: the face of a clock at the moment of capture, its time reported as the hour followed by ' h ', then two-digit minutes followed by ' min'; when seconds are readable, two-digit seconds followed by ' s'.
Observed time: 6 h 26 min
